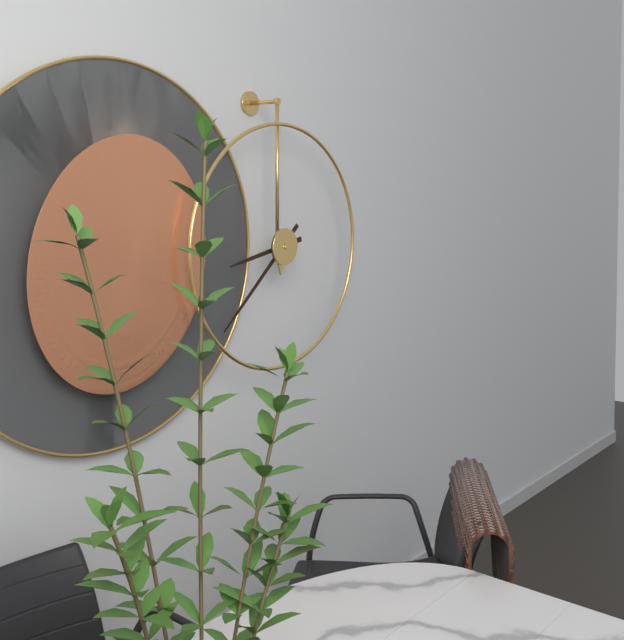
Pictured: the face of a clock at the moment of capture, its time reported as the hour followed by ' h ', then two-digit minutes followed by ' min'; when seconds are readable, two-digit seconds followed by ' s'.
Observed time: 8 h 38 min
